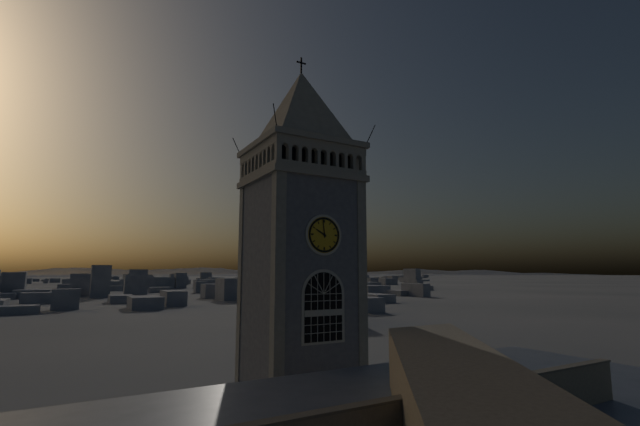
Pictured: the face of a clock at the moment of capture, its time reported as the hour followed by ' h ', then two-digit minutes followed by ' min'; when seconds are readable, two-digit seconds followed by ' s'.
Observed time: 9 h 59 min
